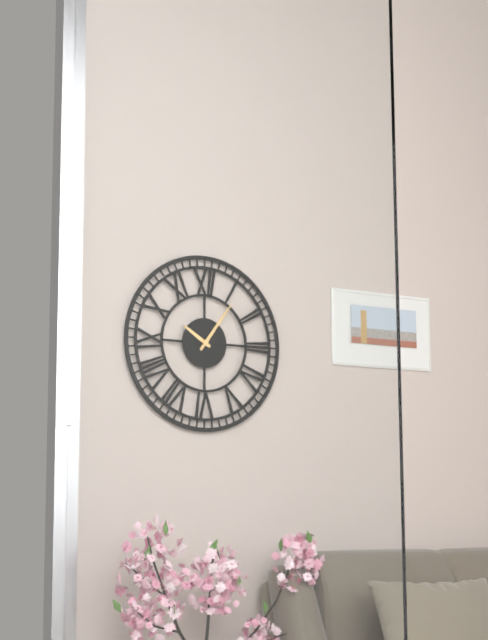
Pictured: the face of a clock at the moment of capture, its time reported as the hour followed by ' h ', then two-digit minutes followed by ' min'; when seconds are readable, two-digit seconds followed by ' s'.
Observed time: 10 h 06 min
